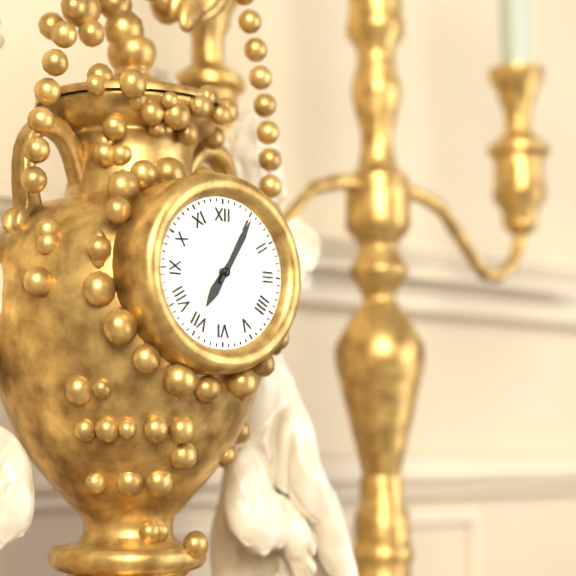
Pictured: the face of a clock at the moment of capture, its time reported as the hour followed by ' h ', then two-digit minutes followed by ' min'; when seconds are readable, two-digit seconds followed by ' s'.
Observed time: 7 h 05 min
